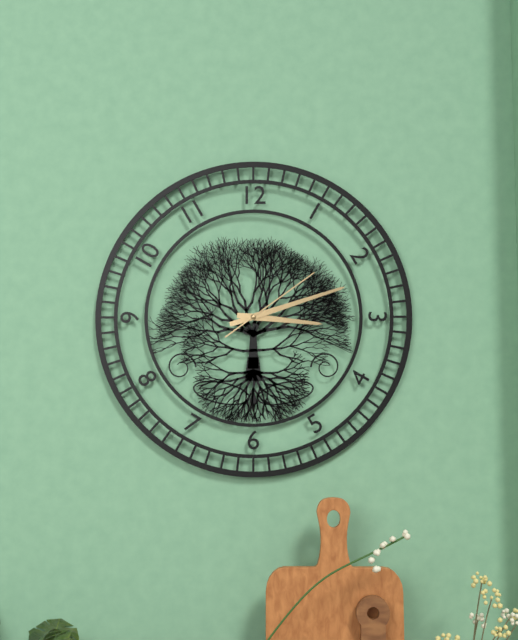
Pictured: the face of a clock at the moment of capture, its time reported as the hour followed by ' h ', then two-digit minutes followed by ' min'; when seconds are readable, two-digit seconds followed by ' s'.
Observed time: 3 h 12 min 09 s
